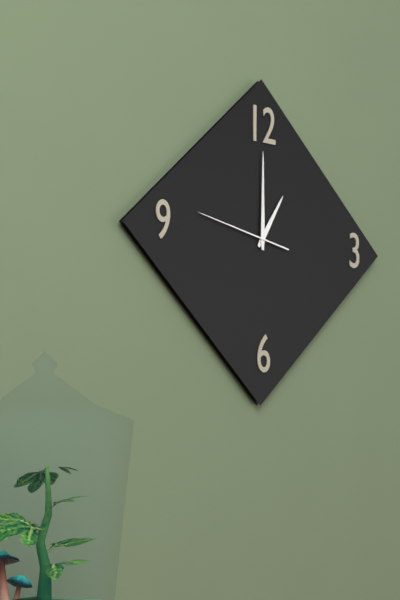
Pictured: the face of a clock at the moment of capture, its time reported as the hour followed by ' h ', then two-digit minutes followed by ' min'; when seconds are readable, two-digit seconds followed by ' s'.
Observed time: 1 h 00 min 47 s
